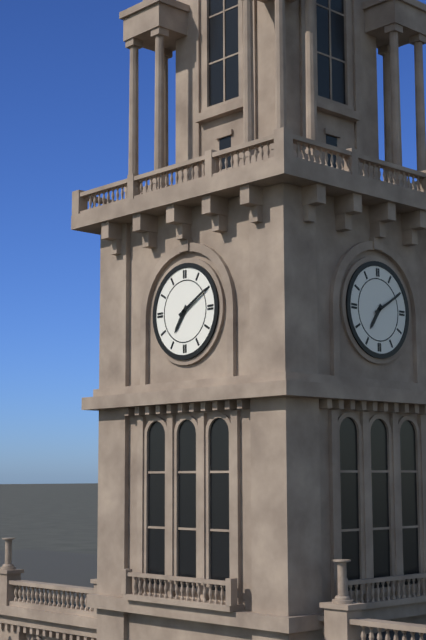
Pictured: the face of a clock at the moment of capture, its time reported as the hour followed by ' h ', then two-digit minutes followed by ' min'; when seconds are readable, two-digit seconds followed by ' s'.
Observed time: 7 h 10 min
